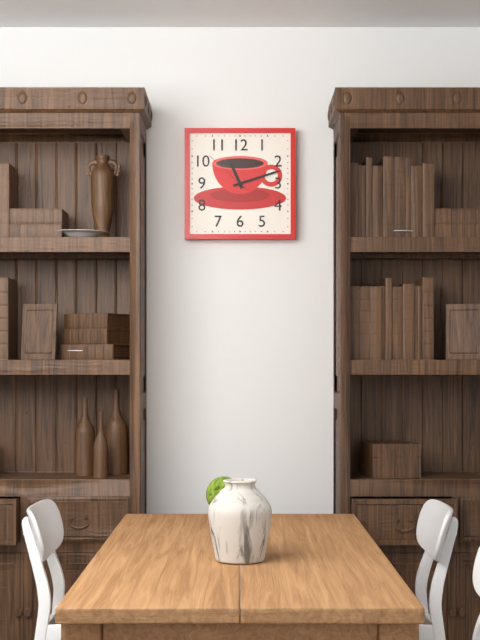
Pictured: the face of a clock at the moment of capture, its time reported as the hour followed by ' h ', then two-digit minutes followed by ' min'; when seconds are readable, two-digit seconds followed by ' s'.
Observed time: 11 h 12 min 52 s
